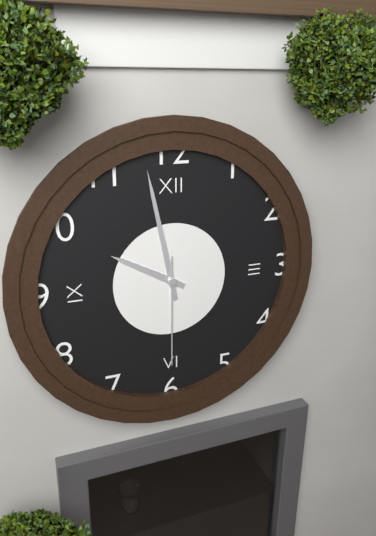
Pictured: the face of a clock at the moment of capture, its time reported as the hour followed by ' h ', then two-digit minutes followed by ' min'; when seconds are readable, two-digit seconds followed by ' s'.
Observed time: 9 h 58 min 30 s
